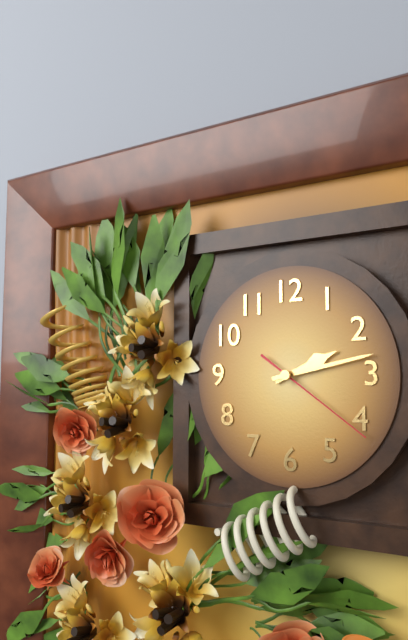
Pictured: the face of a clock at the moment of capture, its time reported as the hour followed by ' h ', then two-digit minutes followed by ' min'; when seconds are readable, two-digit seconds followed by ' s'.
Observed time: 2 h 13 min 21 s
